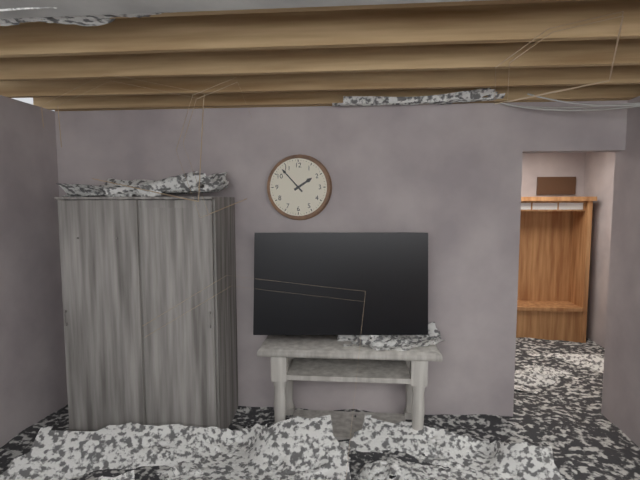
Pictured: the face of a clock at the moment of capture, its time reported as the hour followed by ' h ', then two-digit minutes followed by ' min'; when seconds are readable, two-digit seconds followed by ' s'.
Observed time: 1 h 53 min
